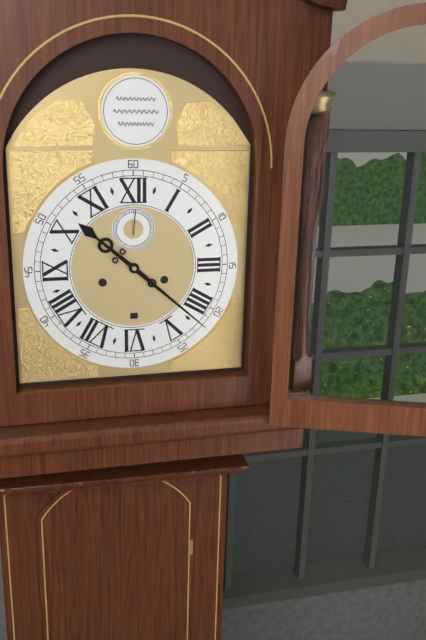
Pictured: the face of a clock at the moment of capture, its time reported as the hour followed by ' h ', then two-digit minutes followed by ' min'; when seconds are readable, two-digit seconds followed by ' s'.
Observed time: 10 h 22 min
